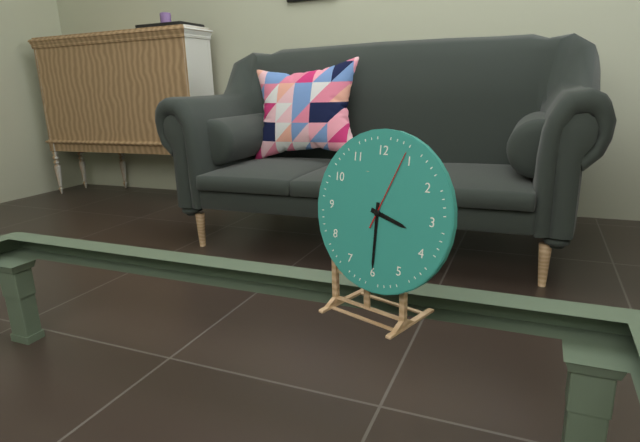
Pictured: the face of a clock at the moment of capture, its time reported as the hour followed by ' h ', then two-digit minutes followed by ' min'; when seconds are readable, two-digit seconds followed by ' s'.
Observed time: 3 h 30 min 04 s
